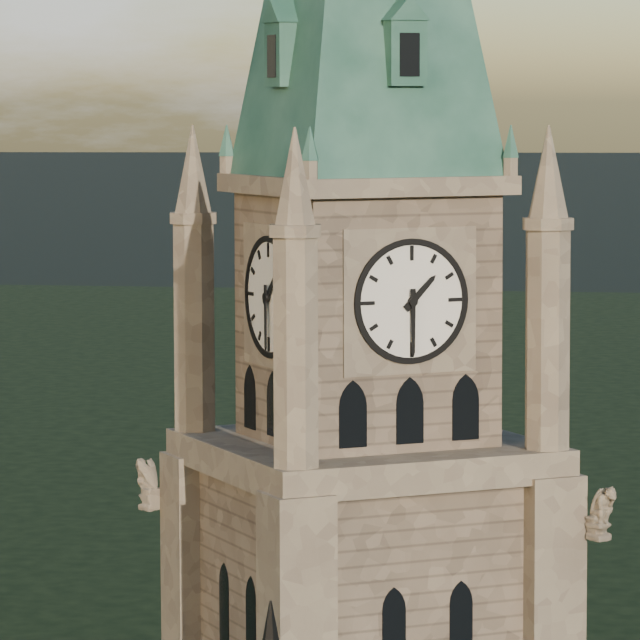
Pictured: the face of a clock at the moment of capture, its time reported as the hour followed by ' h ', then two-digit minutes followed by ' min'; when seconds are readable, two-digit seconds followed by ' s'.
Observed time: 1 h 30 min
